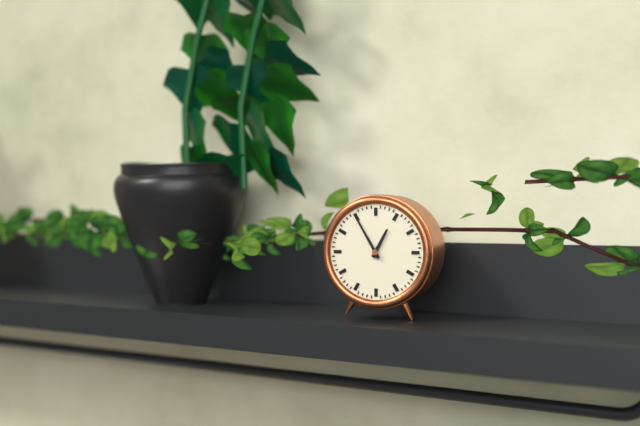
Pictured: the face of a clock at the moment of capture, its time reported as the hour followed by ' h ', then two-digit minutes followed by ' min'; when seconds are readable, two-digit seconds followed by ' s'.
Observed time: 12 h 55 min
